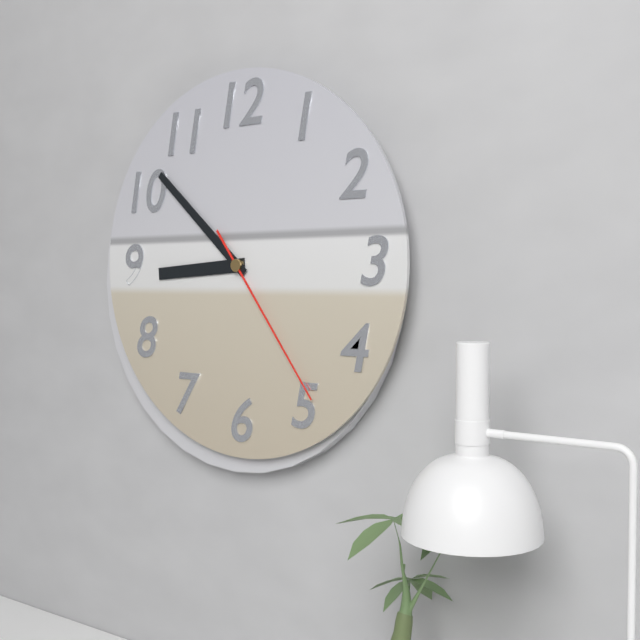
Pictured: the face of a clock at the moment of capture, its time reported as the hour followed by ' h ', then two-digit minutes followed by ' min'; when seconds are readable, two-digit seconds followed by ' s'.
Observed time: 8 h 52 min 24 s
